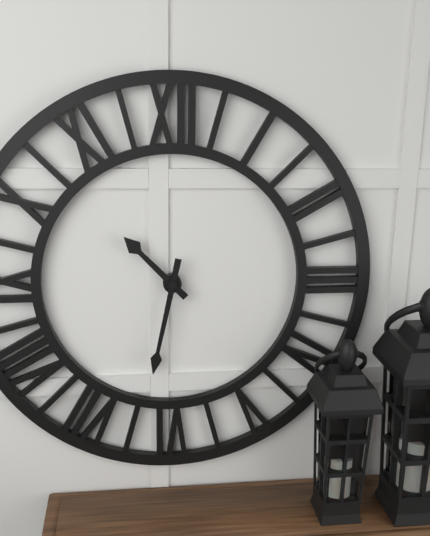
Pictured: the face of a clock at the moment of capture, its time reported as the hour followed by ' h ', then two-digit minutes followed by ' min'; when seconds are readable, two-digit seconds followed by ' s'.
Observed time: 10 h 32 min
